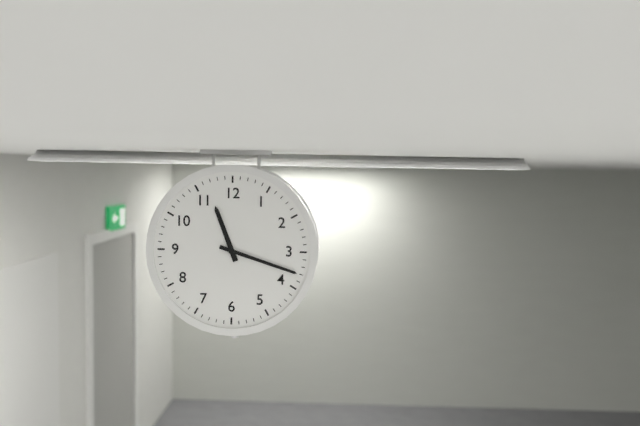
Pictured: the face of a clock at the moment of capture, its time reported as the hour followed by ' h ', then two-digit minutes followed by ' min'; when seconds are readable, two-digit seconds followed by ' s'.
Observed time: 11 h 18 min
